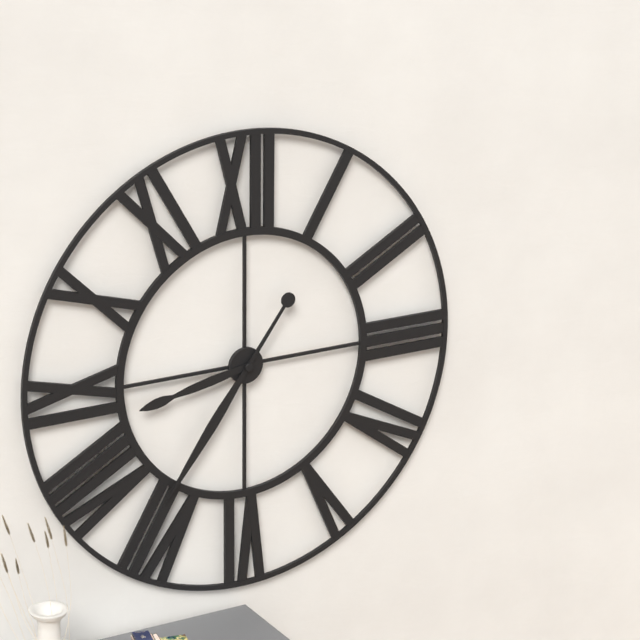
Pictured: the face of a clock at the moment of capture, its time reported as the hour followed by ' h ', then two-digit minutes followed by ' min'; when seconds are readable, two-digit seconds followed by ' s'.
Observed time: 8 h 36 min
